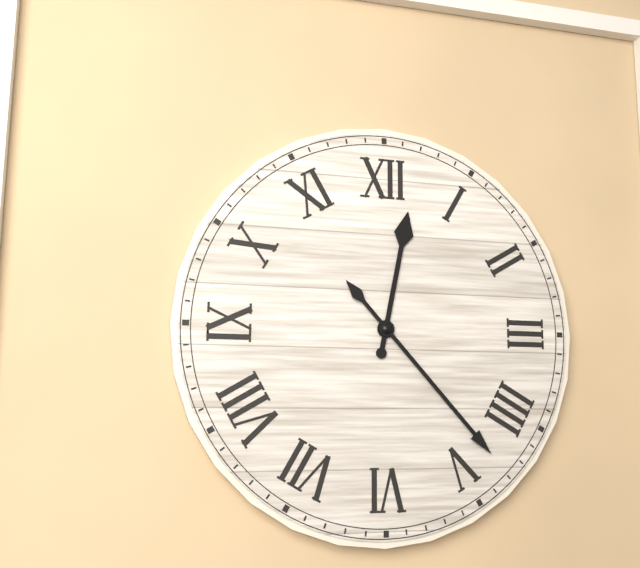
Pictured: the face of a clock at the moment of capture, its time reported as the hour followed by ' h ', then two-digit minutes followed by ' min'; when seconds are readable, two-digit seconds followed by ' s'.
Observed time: 12 h 23 min
